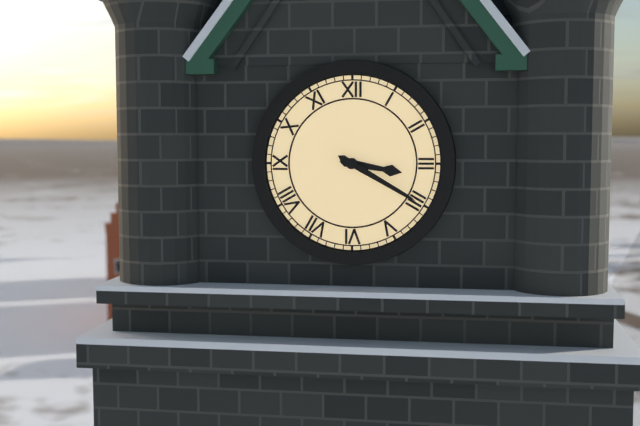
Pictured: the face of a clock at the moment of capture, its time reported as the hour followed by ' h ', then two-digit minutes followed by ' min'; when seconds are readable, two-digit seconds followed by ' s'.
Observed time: 3 h 20 min
